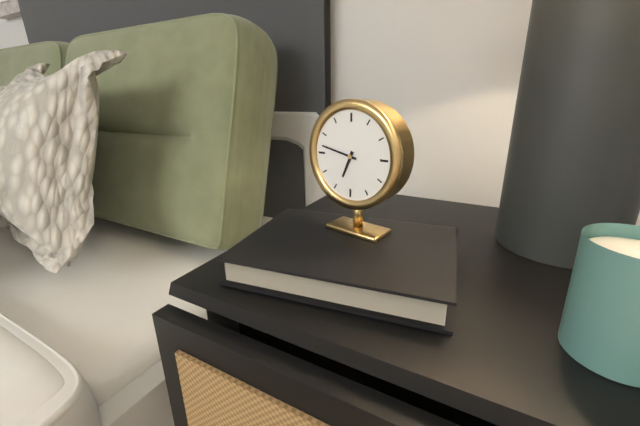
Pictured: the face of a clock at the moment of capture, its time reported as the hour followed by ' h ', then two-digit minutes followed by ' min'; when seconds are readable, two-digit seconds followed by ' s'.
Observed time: 6 h 47 min
